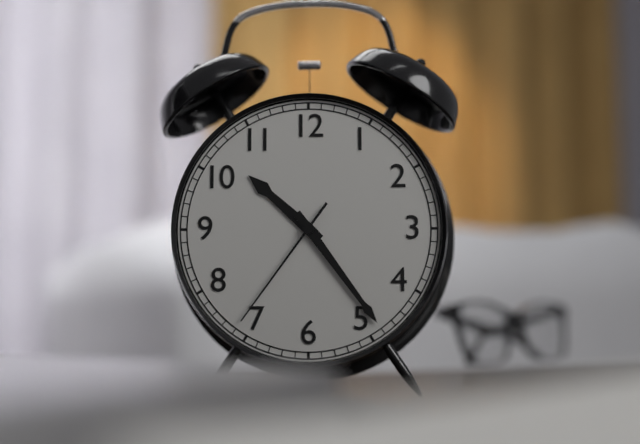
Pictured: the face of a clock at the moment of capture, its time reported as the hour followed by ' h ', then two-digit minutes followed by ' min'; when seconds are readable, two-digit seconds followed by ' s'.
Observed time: 10 h 24 min 36 s
